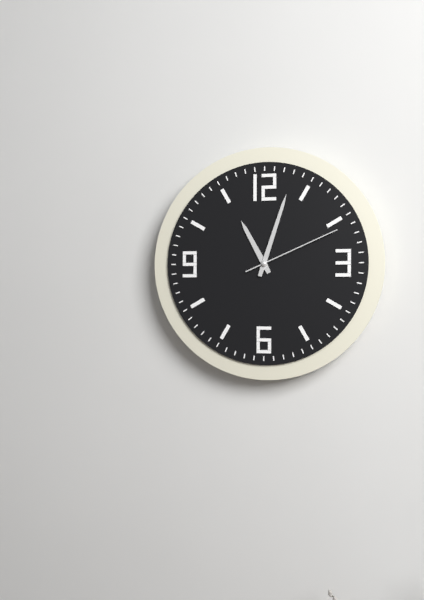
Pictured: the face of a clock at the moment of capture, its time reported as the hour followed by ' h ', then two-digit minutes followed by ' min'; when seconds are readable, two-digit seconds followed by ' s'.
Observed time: 11 h 03 min 11 s
